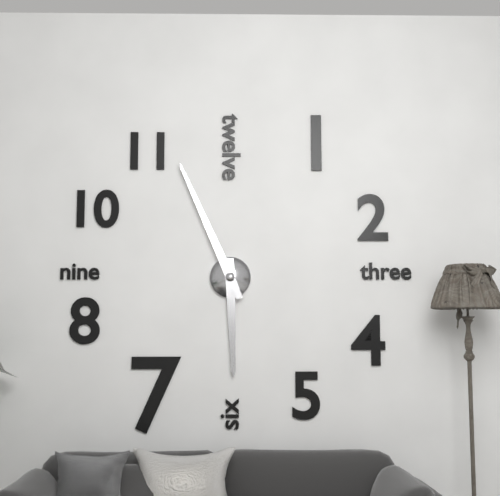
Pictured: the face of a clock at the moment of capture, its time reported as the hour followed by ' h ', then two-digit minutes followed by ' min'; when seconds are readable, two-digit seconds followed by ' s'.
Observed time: 5 h 56 min
